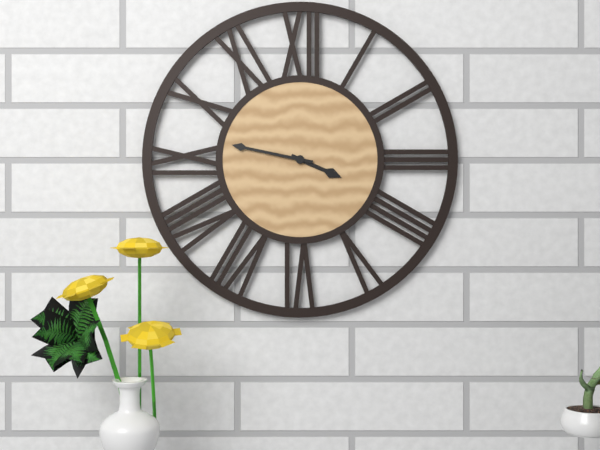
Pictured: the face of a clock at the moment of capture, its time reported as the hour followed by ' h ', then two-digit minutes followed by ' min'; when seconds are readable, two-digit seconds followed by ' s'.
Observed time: 3 h 47 min
